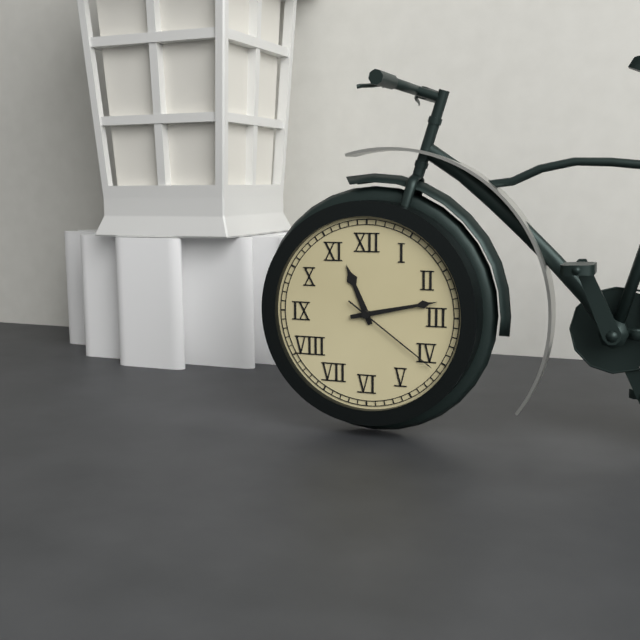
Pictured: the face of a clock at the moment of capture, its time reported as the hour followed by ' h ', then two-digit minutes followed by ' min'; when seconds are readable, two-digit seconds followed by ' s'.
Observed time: 11 h 13 min 21 s
